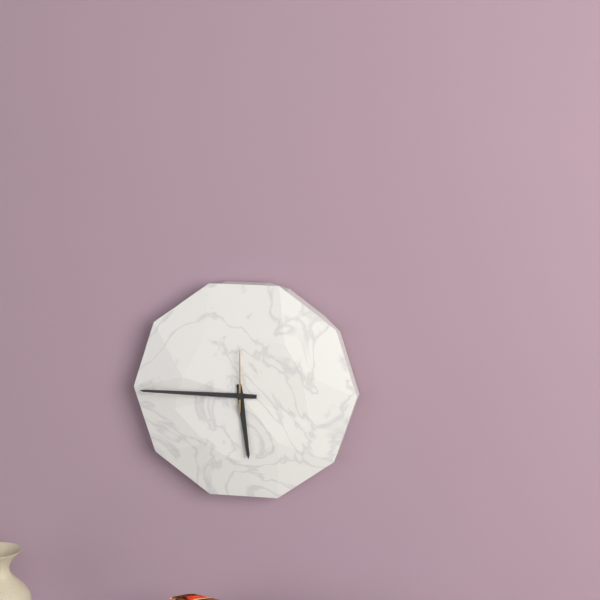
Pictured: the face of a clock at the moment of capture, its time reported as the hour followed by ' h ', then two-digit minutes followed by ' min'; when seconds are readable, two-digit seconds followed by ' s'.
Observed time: 5 h 45 min 00 s
